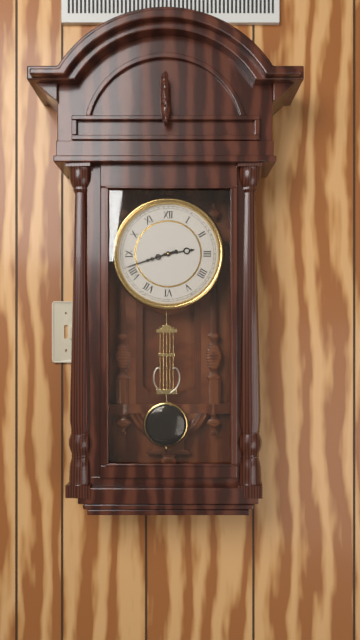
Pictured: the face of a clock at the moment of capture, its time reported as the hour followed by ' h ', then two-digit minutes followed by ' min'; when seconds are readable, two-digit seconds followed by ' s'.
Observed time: 2 h 42 min
